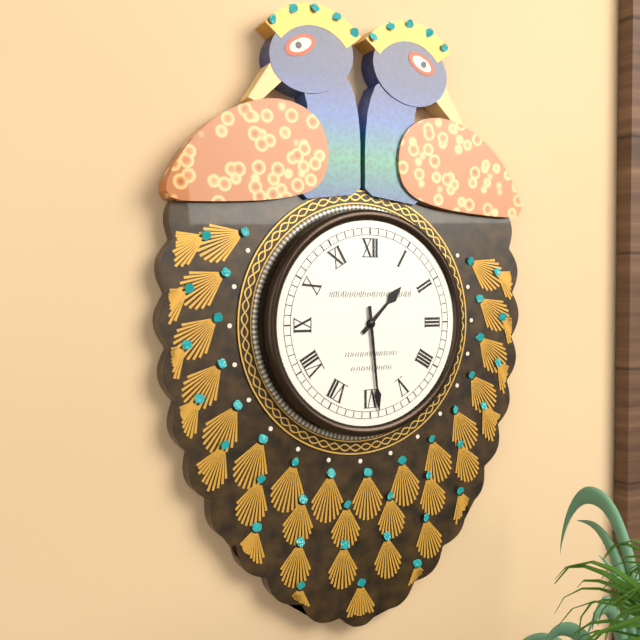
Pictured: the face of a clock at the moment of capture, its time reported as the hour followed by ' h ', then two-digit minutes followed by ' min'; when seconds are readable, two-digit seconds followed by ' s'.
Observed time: 1 h 29 min
